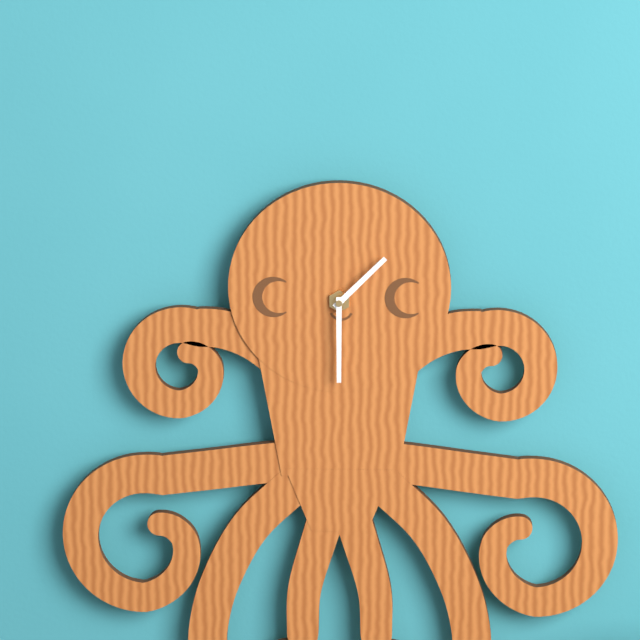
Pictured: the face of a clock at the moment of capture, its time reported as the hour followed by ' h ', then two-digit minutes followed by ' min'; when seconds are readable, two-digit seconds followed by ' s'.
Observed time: 1 h 30 min
